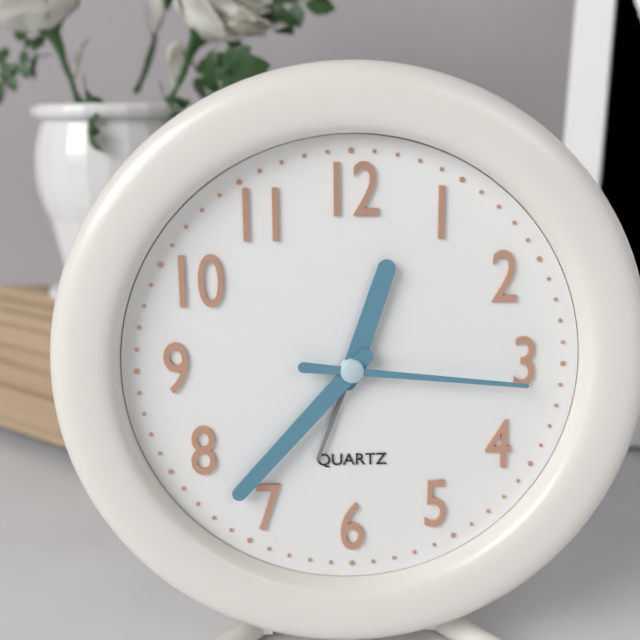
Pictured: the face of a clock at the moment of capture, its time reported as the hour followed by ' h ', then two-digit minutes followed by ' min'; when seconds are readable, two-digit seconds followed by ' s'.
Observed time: 12 h 37 min 16 s
